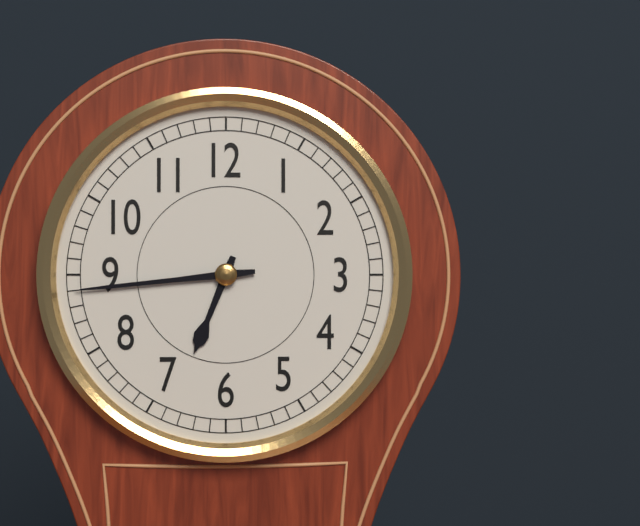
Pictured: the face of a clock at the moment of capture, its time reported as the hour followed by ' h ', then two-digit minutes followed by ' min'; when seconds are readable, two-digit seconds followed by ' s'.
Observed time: 6 h 44 min
